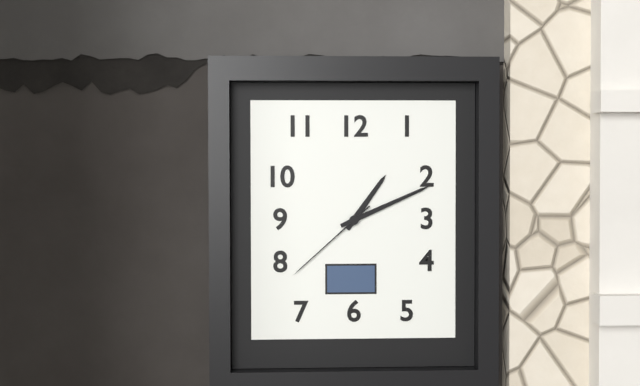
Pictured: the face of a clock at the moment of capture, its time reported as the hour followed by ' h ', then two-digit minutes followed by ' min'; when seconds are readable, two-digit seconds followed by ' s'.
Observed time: 1 h 11 min 38 s
